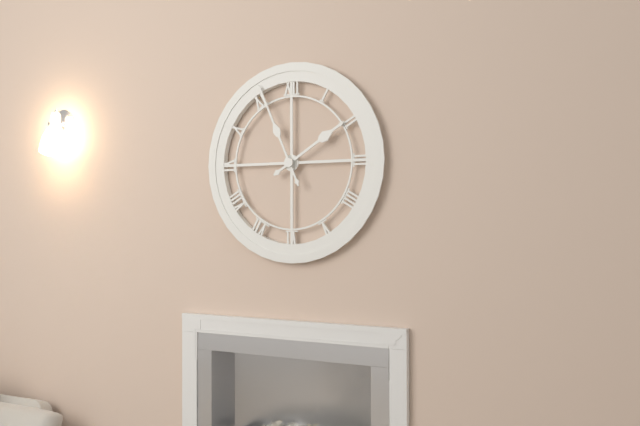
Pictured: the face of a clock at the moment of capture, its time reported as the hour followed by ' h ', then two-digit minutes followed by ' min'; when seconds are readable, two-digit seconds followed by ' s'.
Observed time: 1 h 56 min
